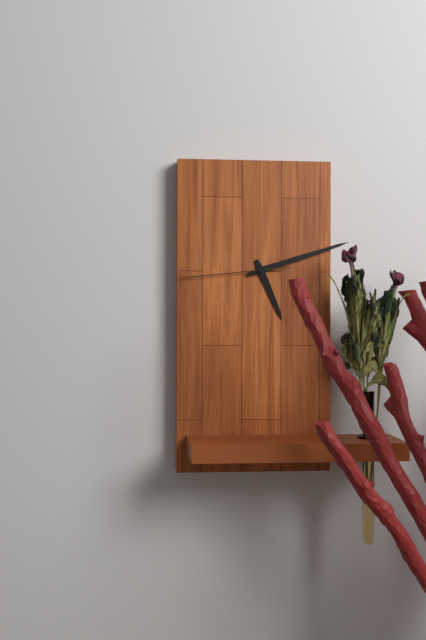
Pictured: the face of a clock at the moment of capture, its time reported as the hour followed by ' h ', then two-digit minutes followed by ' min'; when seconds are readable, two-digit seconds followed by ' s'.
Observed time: 5 h 12 min 44 s
